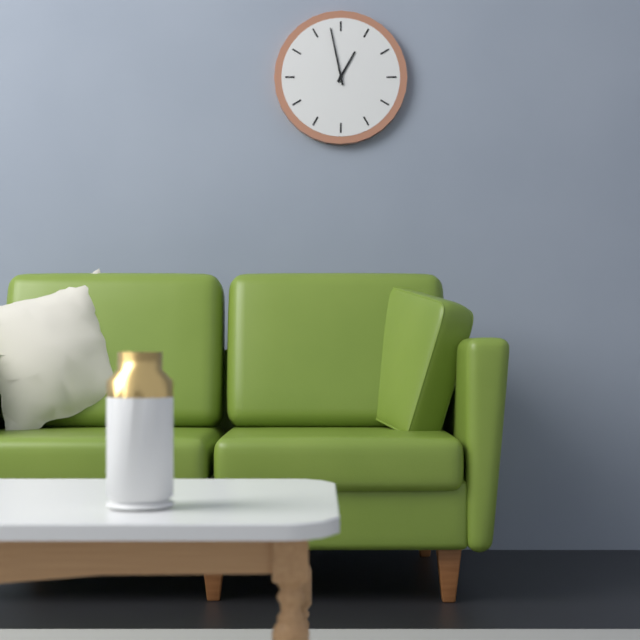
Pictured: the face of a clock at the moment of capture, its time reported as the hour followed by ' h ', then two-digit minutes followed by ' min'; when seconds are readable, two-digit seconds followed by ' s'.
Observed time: 12 h 58 min
